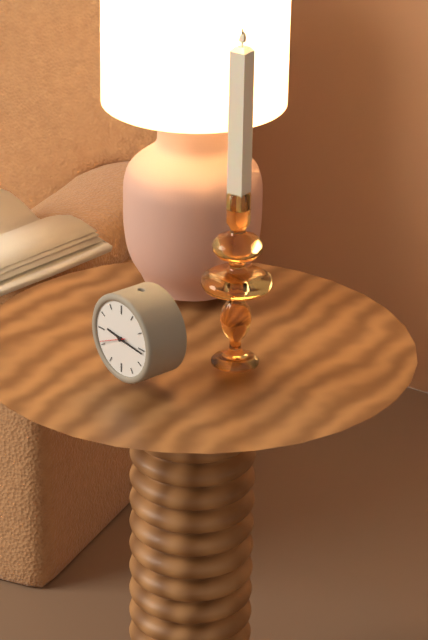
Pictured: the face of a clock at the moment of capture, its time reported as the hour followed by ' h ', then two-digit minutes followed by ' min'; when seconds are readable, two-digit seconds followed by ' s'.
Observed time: 9 h 16 min
